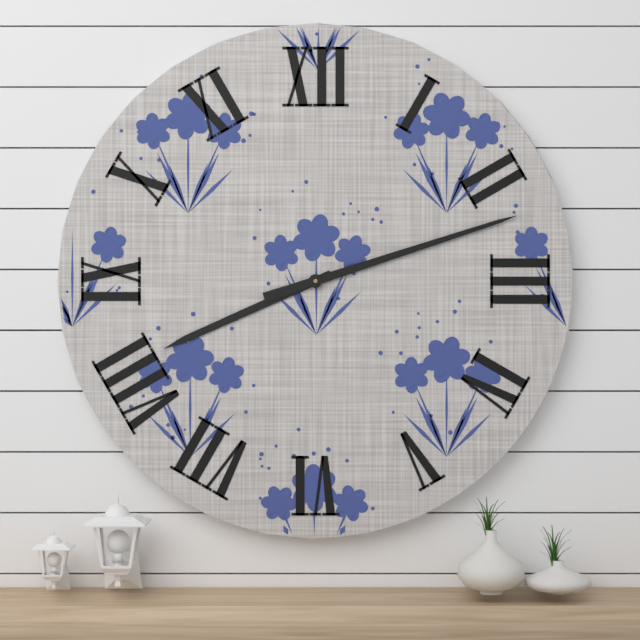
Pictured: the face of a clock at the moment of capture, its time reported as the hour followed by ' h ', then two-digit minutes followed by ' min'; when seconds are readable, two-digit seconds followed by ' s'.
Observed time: 8 h 12 min
